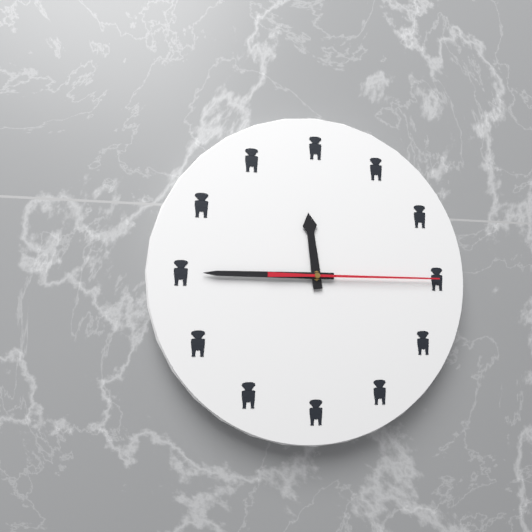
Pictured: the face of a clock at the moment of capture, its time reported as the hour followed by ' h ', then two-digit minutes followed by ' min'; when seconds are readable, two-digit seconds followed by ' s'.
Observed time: 11 h 45 min 15 s
